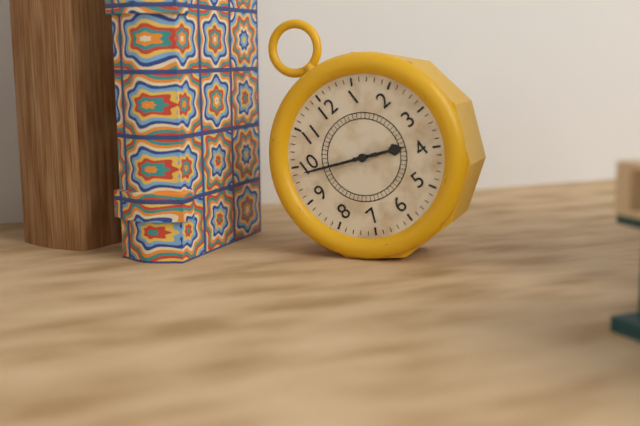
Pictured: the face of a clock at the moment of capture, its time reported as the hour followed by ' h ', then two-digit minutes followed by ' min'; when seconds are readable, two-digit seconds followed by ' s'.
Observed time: 3 h 49 min
